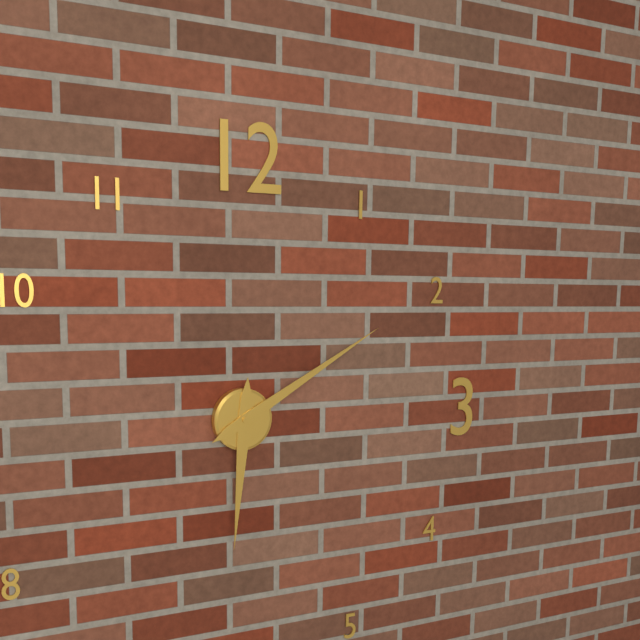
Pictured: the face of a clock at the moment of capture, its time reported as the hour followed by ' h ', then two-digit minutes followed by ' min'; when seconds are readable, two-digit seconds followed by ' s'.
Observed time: 6 h 10 min
